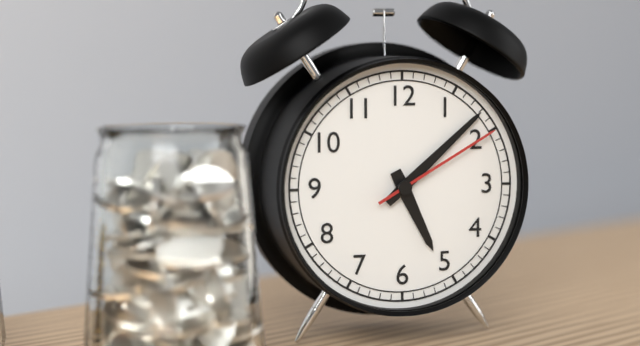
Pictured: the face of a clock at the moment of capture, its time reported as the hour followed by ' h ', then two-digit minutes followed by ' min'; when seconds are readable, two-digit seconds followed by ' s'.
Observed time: 5 h 08 min 10 s
